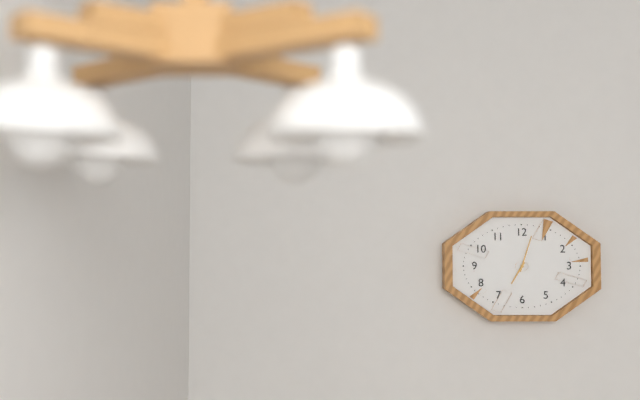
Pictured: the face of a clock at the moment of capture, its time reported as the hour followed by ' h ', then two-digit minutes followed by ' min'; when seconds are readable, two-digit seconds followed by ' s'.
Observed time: 7 h 03 min
